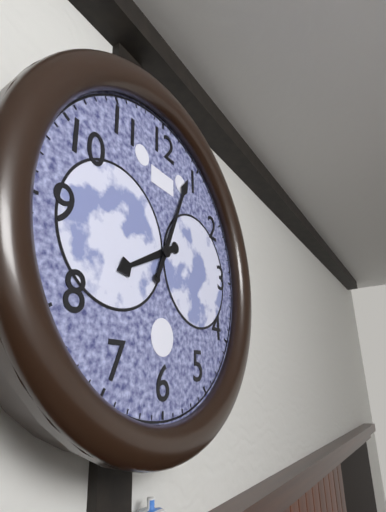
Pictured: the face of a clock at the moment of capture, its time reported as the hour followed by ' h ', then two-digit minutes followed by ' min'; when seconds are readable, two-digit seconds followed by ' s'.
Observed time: 8 h 04 min
